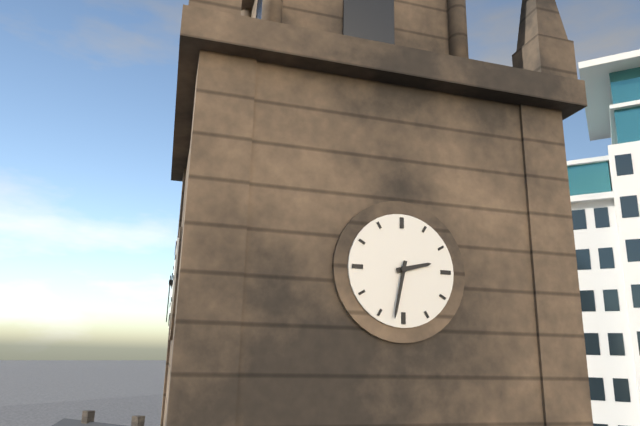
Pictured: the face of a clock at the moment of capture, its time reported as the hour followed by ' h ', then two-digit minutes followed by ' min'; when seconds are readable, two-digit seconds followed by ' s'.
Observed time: 2 h 32 min
